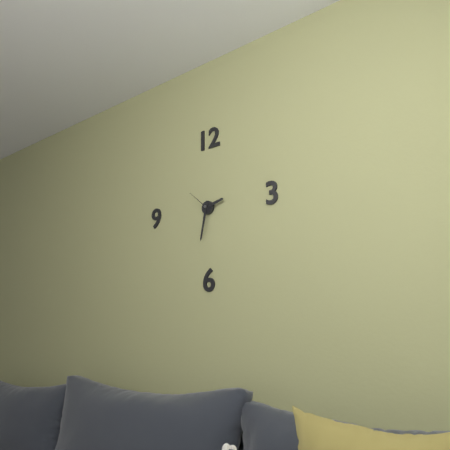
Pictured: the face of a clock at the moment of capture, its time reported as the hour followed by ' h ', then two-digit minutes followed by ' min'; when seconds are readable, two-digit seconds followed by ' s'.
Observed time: 2 h 32 min
